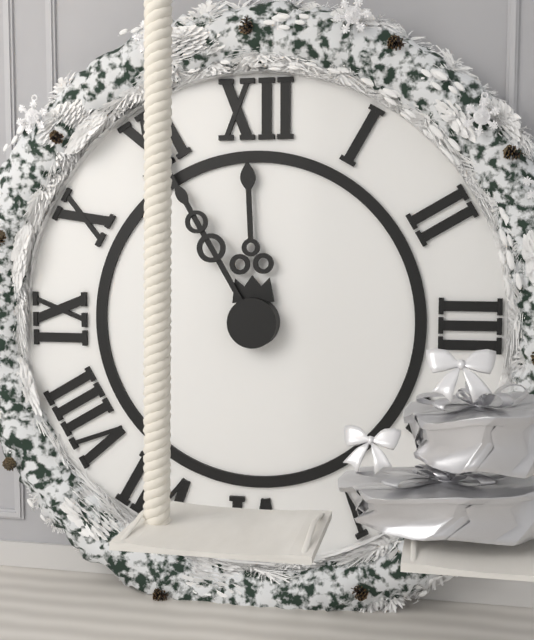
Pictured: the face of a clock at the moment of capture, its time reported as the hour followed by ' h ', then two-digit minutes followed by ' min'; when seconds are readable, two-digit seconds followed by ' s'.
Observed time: 11 h 55 min
